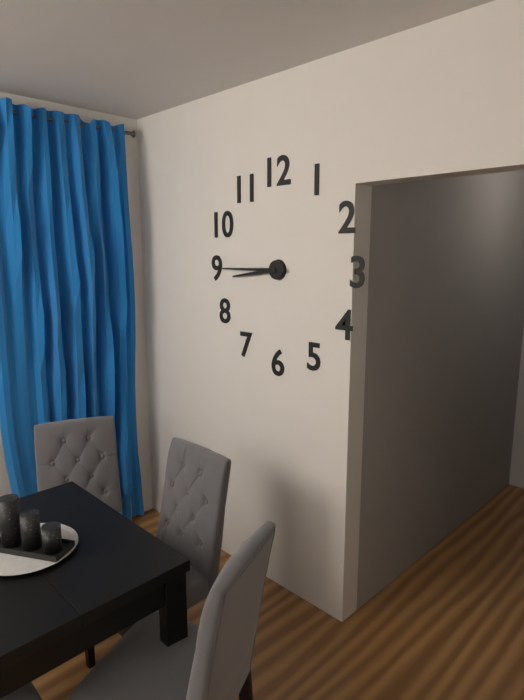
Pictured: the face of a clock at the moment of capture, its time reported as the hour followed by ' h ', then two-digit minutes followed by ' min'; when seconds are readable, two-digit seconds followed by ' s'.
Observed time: 8 h 45 min
